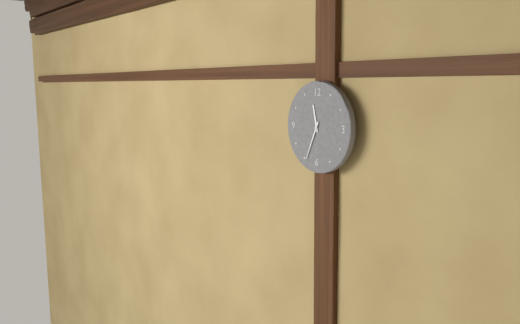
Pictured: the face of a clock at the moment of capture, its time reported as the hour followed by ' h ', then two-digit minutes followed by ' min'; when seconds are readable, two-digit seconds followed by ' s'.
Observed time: 11 h 34 min
